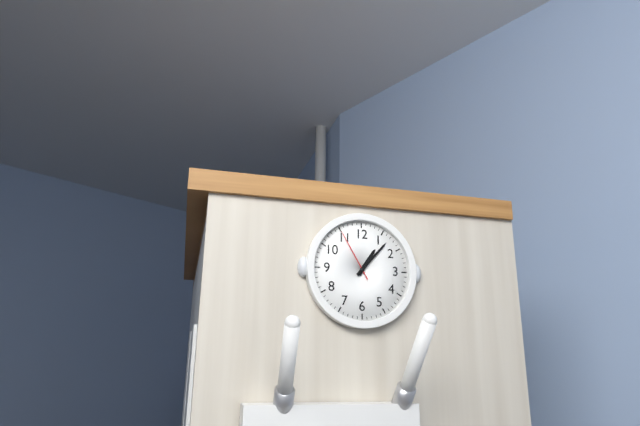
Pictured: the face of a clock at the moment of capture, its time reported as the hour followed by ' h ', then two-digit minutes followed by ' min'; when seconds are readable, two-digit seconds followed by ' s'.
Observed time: 1 h 07 min 55 s
